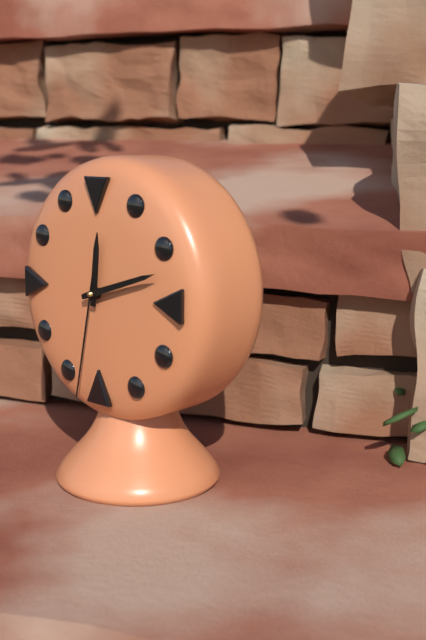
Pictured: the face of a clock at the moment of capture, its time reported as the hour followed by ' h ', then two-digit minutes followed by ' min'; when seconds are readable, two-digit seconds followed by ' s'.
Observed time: 12 h 12 min 32 s
